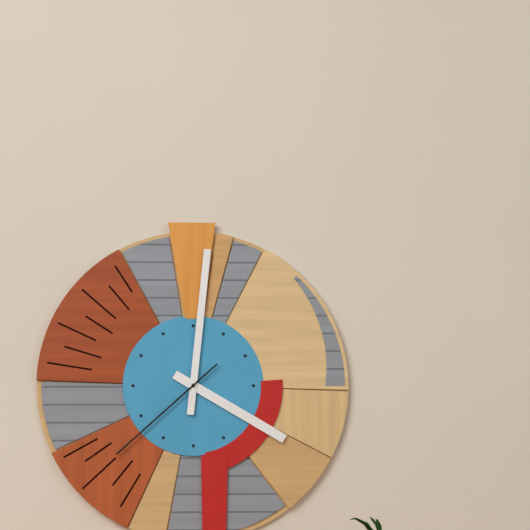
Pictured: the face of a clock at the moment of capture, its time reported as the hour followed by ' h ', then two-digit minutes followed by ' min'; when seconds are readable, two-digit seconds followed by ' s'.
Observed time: 4 h 01 min 38 s
